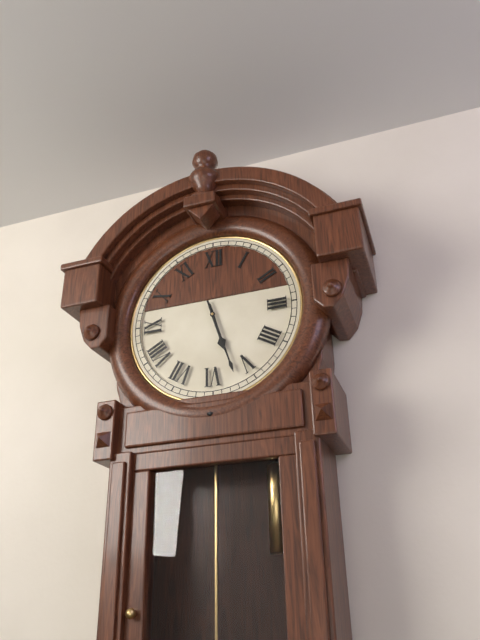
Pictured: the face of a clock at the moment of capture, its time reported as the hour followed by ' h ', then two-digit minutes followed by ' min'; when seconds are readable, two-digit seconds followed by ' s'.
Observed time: 5 h 27 min
